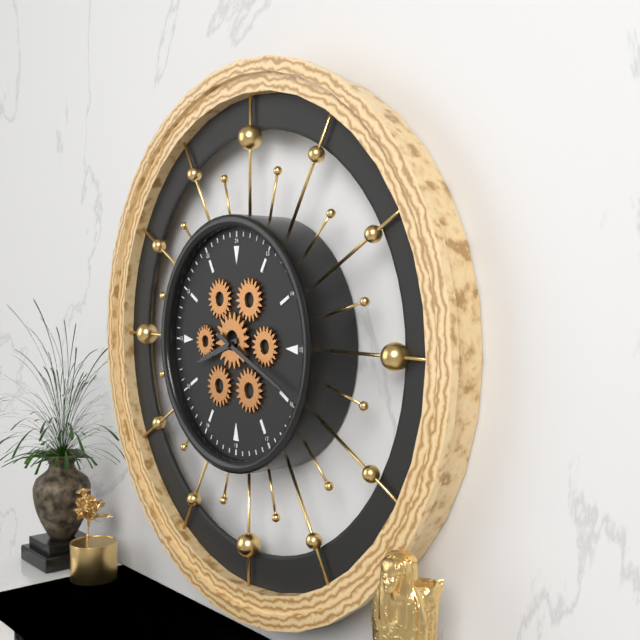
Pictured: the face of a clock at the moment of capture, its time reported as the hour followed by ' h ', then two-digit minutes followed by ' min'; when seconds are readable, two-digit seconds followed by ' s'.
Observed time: 8 h 19 min
